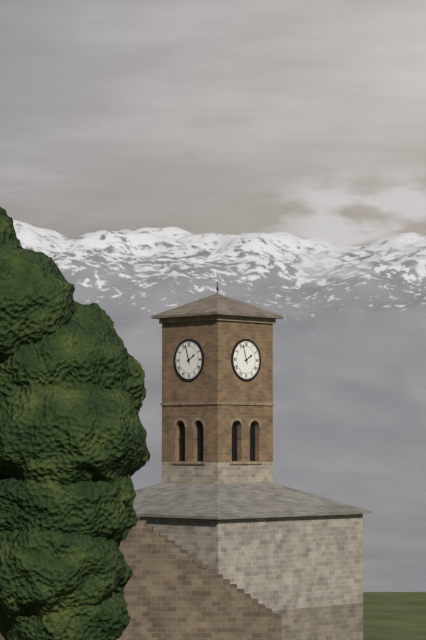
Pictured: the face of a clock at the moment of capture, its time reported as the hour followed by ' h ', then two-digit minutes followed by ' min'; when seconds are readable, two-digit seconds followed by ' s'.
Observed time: 1 h 57 min
